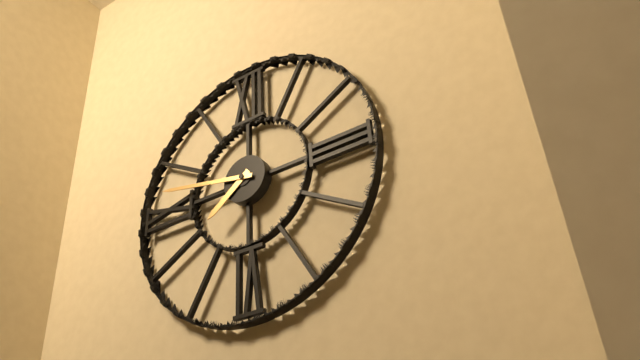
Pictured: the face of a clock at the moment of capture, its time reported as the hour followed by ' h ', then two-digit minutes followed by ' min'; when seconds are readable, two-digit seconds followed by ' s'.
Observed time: 7 h 47 min
